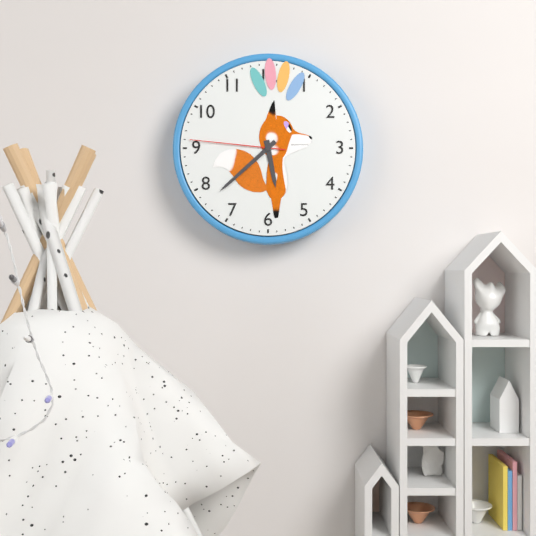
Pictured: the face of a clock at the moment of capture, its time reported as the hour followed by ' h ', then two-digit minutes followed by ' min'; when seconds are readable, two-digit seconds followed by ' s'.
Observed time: 5 h 38 min 46 s
